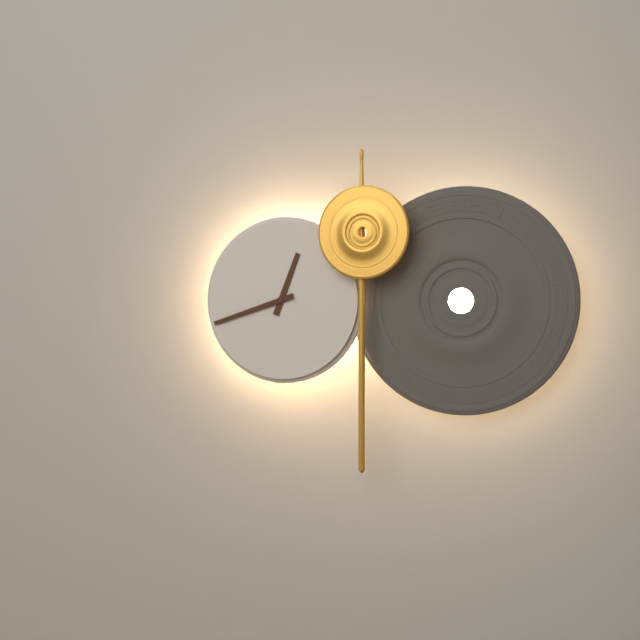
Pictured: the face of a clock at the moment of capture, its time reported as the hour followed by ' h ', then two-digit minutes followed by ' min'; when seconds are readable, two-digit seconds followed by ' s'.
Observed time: 12 h 42 min
